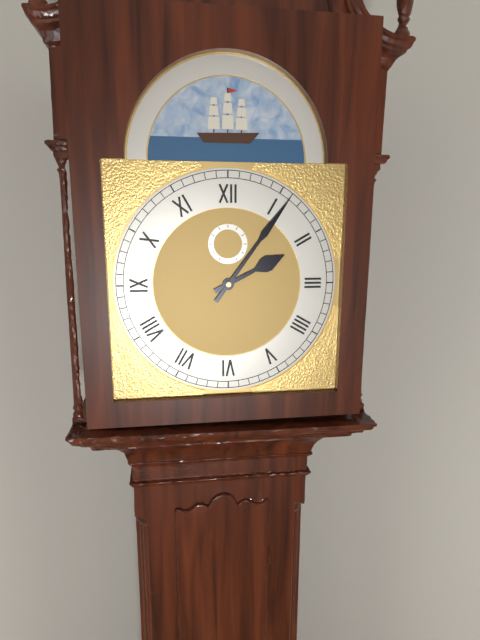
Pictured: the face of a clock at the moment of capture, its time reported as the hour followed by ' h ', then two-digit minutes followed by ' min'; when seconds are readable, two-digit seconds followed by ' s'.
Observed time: 2 h 06 min
